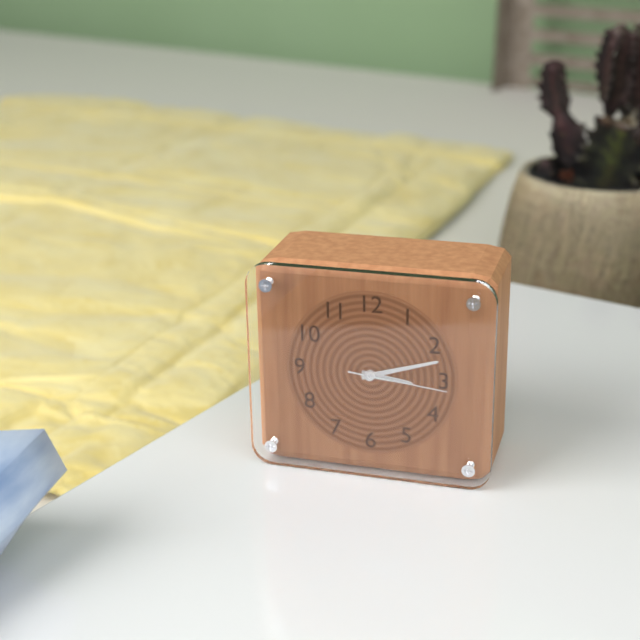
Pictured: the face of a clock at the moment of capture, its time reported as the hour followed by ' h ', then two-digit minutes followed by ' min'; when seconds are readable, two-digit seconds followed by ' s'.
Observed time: 3 h 12 min 16 s
